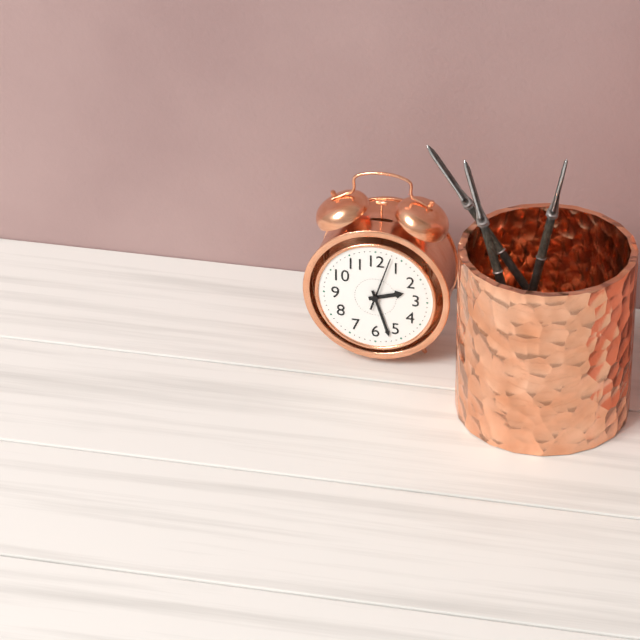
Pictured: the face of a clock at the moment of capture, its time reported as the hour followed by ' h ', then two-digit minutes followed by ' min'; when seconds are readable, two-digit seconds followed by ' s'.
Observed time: 2 h 27 min 03 s
